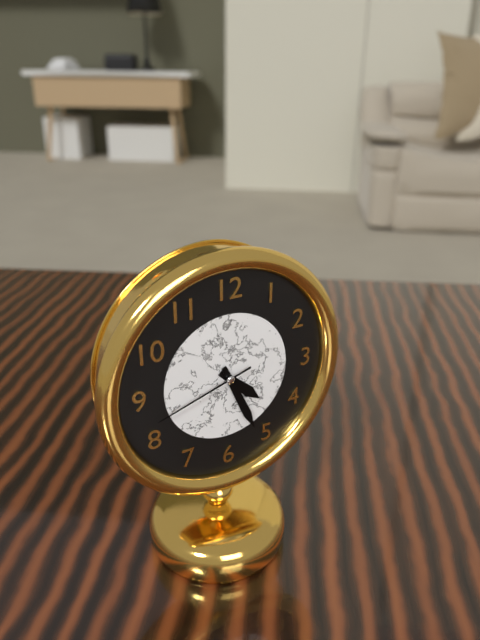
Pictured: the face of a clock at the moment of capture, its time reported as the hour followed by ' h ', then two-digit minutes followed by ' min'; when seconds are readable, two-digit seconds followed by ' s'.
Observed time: 4 h 26 min 42 s
